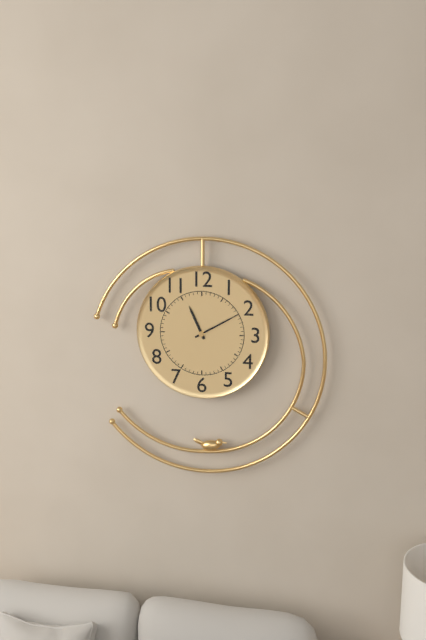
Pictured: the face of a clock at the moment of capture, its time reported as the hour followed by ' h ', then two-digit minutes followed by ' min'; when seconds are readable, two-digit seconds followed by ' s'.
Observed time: 11 h 10 min
